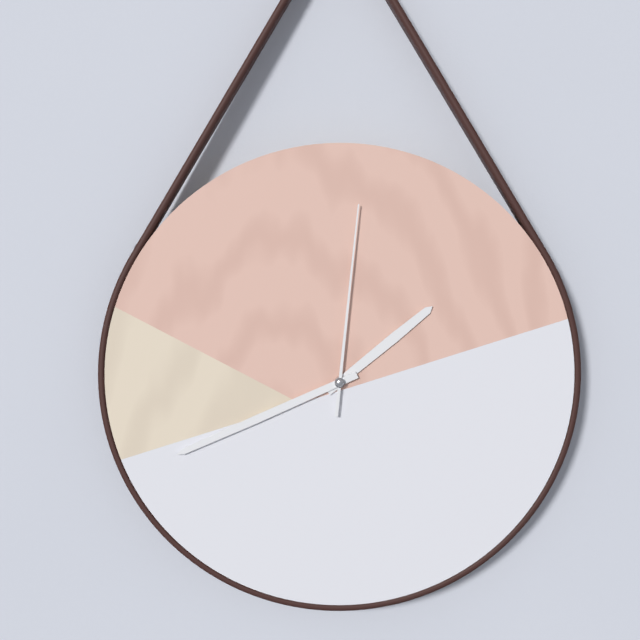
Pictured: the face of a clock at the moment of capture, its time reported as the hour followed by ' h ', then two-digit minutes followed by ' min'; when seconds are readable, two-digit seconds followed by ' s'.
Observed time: 1 h 41 min 01 s
